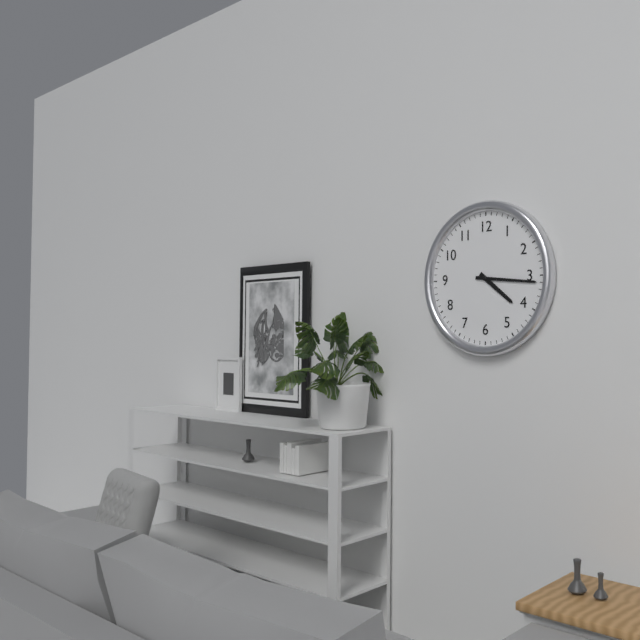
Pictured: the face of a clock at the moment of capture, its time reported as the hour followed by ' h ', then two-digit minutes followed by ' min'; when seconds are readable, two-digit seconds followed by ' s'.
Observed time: 4 h 16 min
